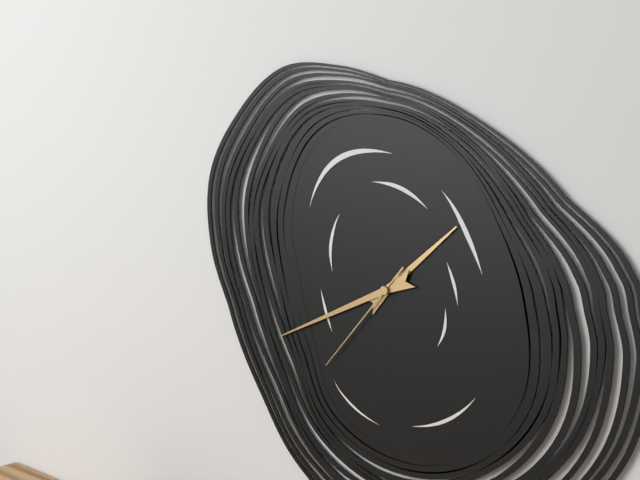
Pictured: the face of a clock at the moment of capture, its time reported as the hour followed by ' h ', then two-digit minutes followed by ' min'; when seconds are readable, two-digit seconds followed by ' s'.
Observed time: 1 h 41 min 37 s
